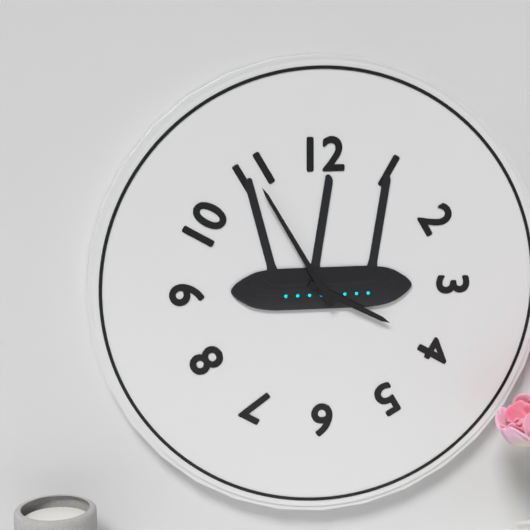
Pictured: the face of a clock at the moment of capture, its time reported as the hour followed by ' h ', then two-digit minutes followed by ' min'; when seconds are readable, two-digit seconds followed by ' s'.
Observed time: 3 h 55 min
